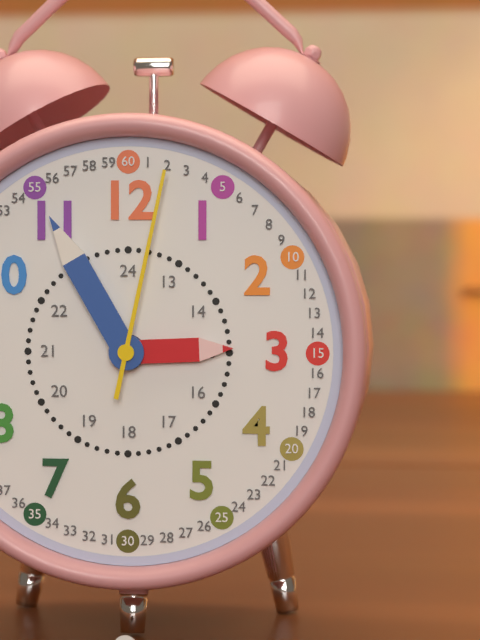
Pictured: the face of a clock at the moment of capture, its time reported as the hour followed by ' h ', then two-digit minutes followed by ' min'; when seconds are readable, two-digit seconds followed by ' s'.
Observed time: 2 h 55 min 02 s
